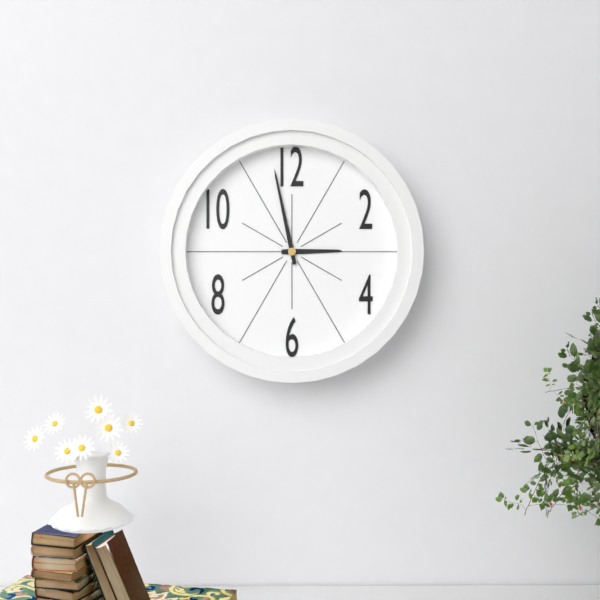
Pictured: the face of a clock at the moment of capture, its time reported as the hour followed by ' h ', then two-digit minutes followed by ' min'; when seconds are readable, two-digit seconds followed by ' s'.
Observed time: 2 h 58 min
